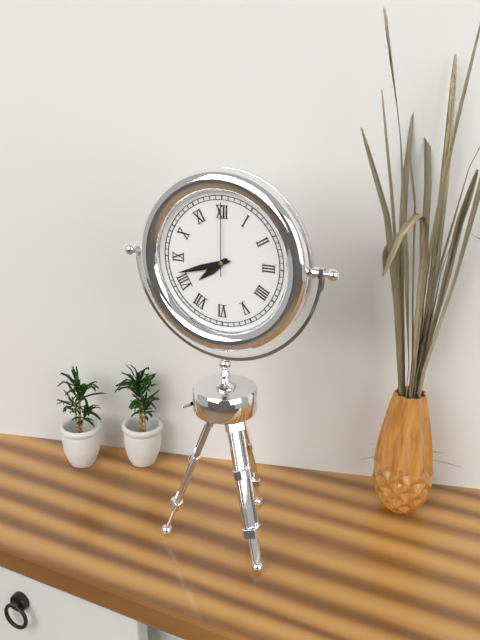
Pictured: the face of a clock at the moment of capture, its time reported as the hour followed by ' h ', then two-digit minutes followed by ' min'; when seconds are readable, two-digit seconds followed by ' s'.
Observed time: 7 h 42 min 00 s
